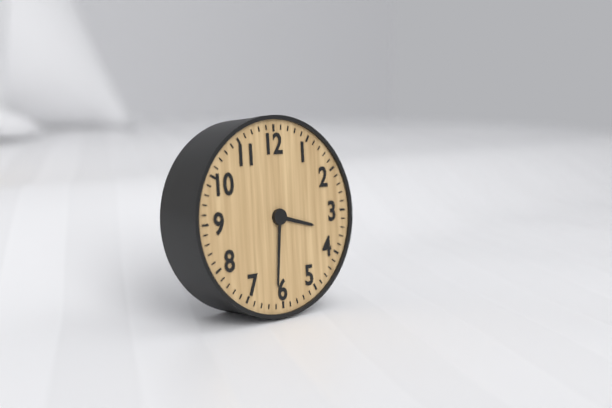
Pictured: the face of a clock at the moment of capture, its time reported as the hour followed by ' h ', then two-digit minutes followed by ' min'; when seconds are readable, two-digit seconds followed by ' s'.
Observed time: 3 h 31 min
